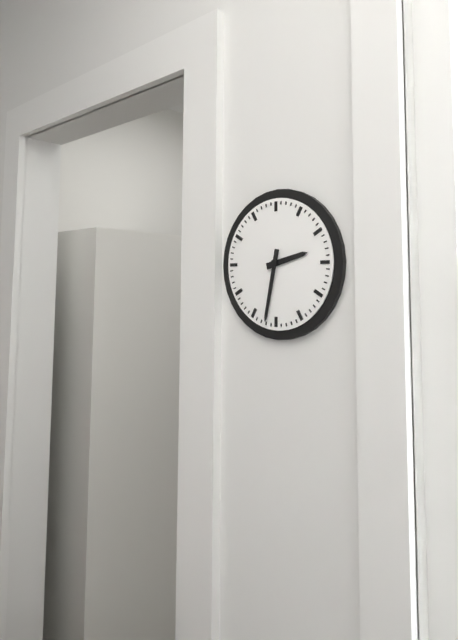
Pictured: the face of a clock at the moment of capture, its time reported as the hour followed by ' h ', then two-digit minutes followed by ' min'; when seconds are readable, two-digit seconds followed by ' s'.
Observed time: 2 h 32 min
